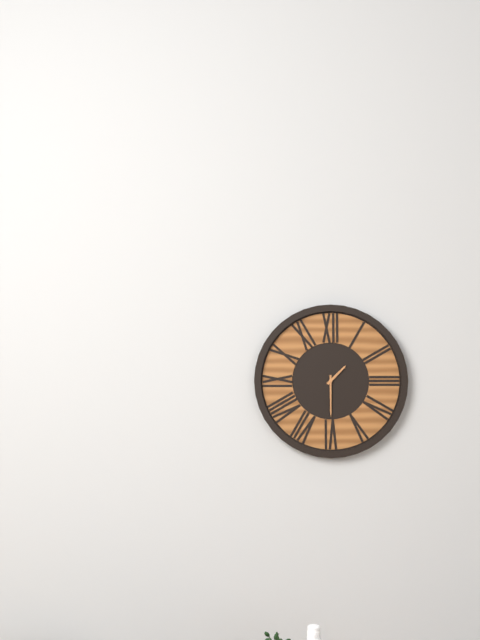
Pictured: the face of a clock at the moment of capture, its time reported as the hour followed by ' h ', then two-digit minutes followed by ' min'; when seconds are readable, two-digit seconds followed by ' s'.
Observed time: 1 h 30 min
